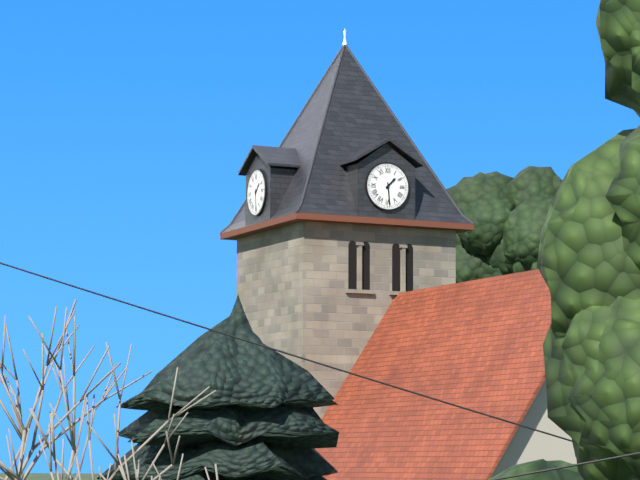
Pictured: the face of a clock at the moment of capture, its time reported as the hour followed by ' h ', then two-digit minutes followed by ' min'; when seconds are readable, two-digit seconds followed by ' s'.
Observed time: 1 h 29 min
